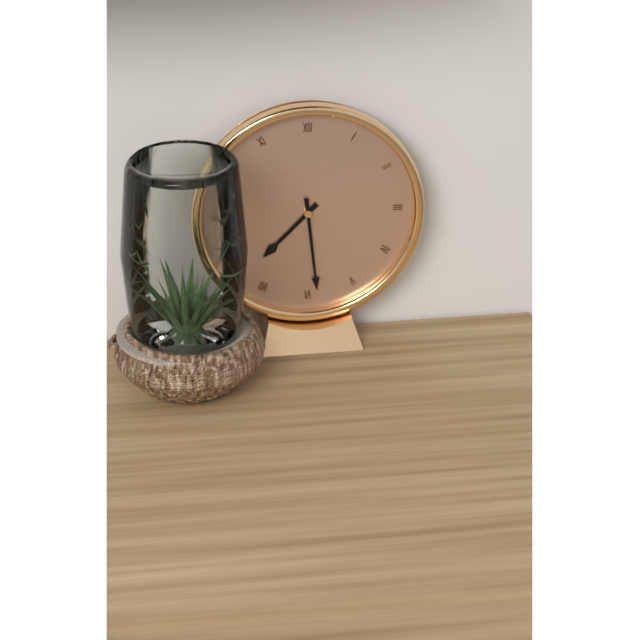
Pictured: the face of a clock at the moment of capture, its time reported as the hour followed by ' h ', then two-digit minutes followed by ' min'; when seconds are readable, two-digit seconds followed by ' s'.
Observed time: 7 h 29 min
